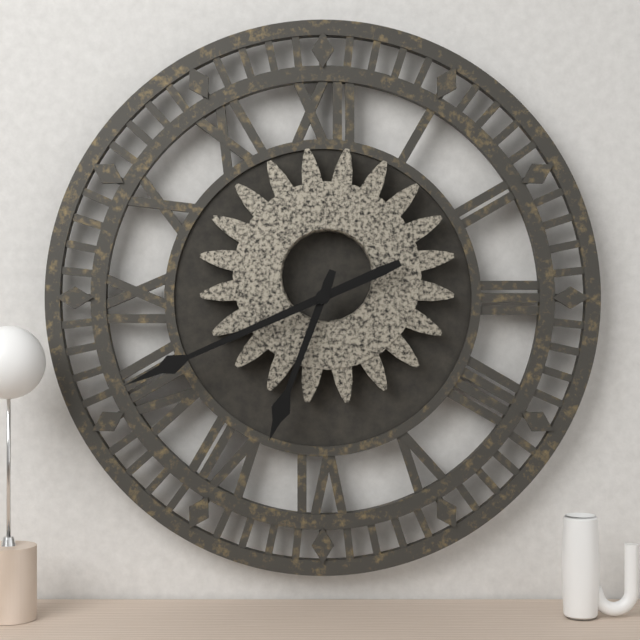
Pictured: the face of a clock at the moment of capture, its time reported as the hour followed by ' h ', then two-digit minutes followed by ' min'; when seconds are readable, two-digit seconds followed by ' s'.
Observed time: 6 h 41 min
